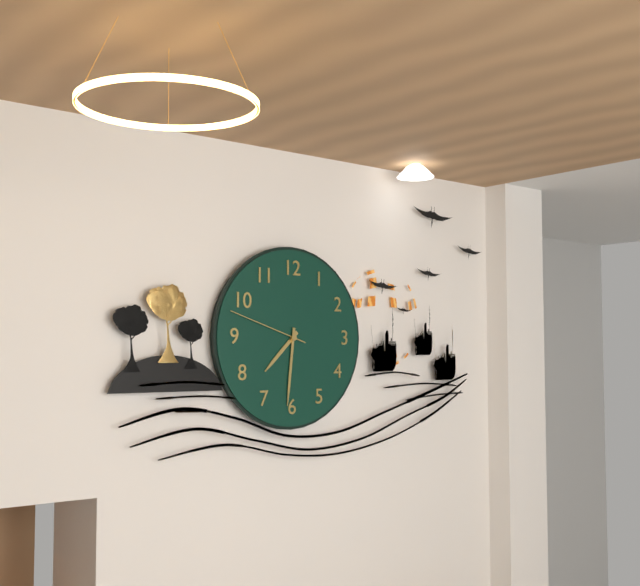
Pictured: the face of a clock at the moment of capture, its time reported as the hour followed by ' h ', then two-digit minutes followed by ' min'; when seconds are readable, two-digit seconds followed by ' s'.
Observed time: 7 h 31 min 48 s
